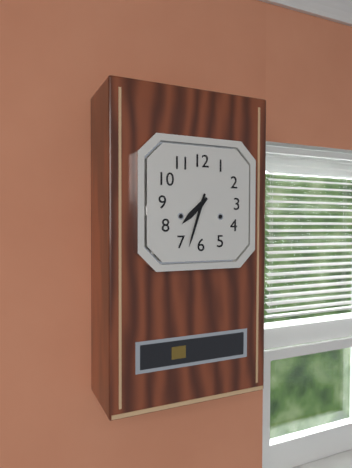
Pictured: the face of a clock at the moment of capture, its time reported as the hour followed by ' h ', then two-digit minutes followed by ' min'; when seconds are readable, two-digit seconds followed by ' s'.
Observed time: 7 h 33 min
